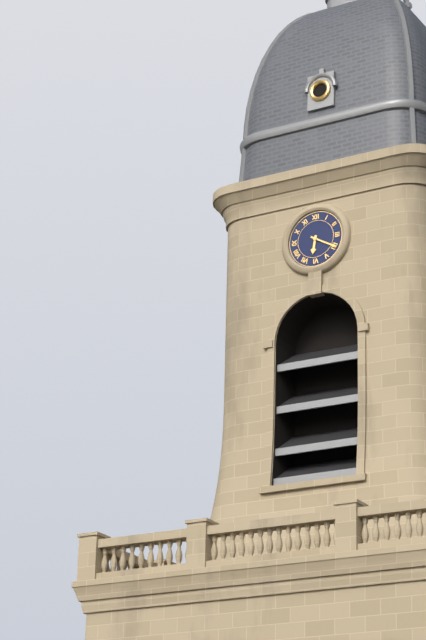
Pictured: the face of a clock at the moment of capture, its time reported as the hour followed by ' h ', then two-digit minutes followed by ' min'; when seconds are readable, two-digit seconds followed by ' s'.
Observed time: 6 h 20 min
